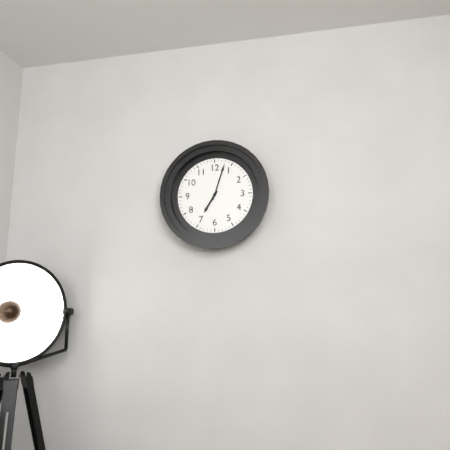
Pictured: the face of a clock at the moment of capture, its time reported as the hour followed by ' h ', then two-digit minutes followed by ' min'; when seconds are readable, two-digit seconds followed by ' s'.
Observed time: 7 h 03 min
